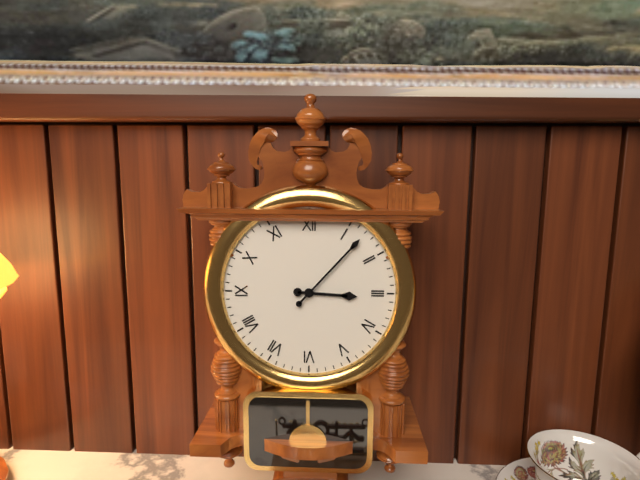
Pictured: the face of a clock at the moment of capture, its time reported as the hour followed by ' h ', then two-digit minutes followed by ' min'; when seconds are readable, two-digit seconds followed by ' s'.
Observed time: 3 h 07 min
